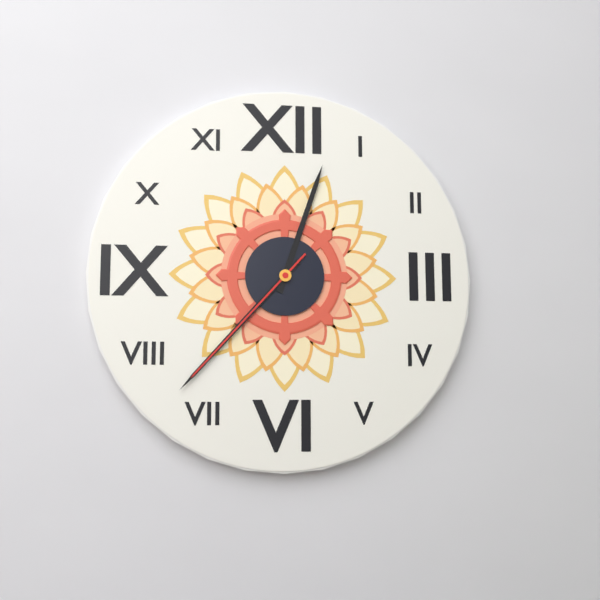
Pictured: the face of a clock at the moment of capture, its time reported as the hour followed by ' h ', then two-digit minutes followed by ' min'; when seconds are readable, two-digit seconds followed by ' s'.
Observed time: 12 h 37 min 37 s
